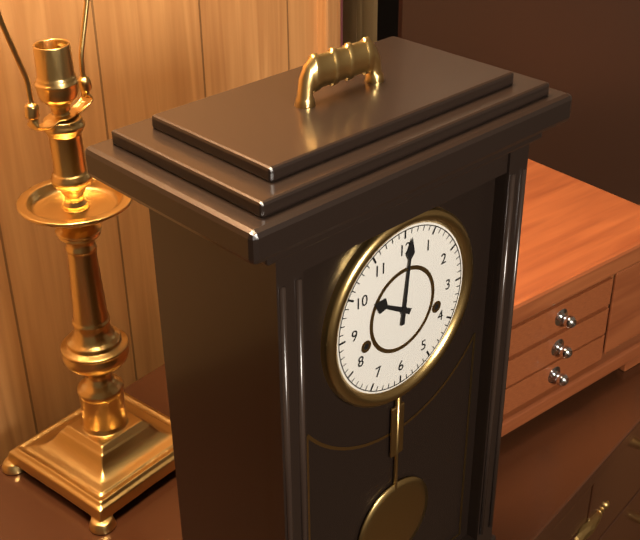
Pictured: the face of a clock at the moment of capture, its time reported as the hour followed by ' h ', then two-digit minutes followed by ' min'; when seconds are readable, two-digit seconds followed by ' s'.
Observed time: 10 h 01 min
